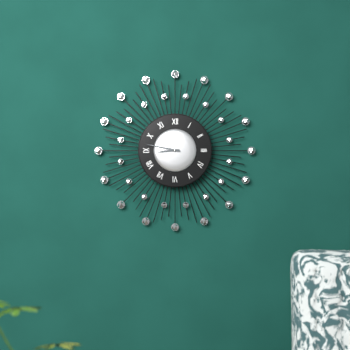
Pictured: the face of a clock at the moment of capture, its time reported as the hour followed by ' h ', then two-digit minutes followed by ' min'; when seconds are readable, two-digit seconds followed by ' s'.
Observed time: 8 h 47 min
